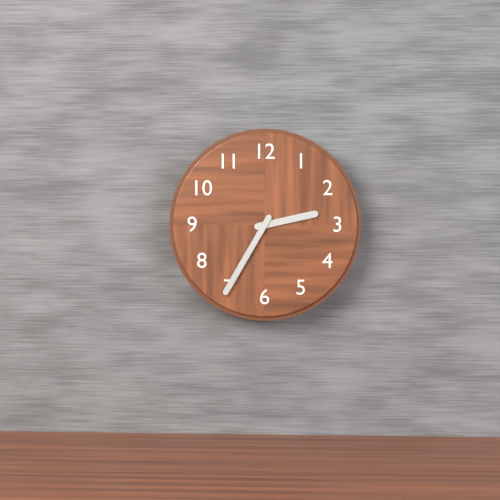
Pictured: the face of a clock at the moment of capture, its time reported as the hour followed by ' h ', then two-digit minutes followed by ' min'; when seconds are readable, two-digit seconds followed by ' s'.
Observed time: 2 h 35 min
